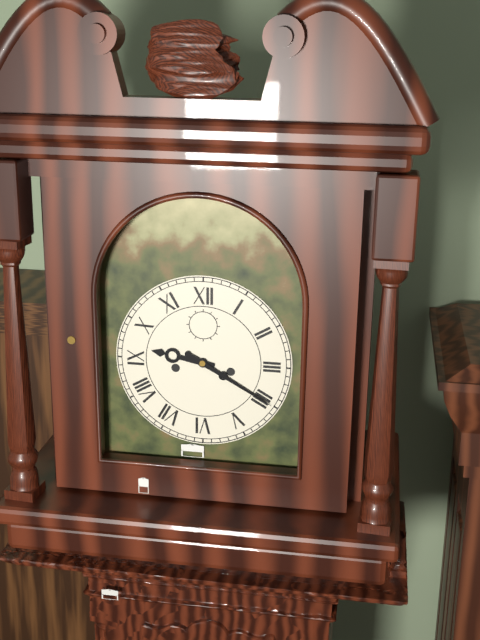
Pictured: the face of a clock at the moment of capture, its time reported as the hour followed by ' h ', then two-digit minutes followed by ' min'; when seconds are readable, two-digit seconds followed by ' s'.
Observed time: 9 h 20 min
